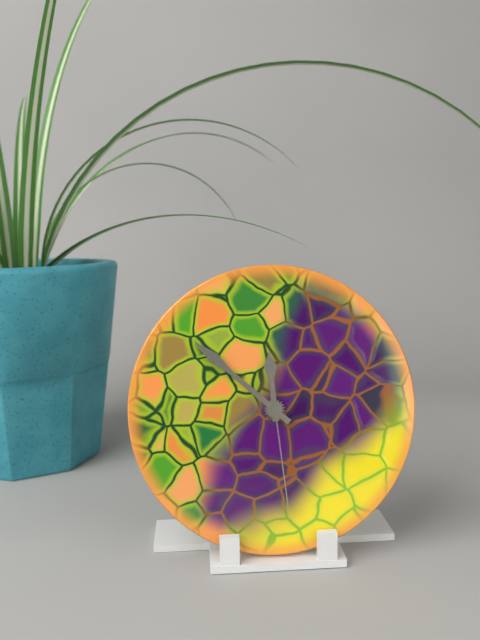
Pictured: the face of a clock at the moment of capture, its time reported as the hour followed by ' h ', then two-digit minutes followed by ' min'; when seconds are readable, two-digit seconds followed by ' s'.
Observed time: 11 h 52 min 29 s
